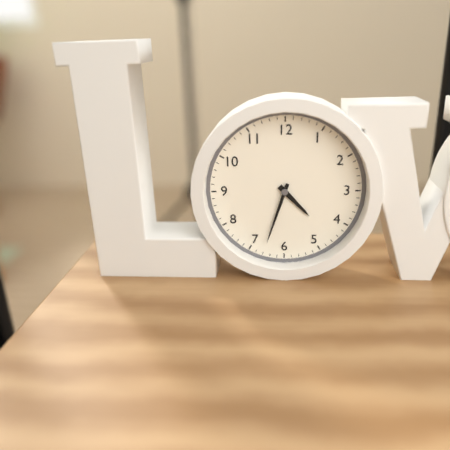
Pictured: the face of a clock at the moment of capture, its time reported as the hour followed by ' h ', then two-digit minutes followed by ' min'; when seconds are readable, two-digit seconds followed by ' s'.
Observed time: 4 h 33 min
